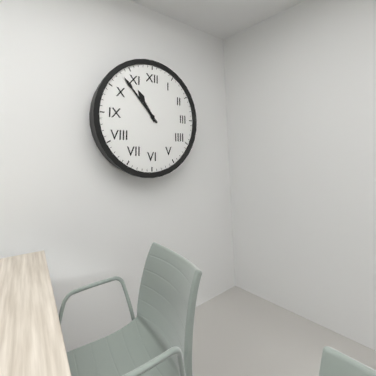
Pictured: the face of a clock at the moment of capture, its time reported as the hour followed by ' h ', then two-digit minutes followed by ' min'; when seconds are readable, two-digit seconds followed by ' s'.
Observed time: 10 h 53 min
